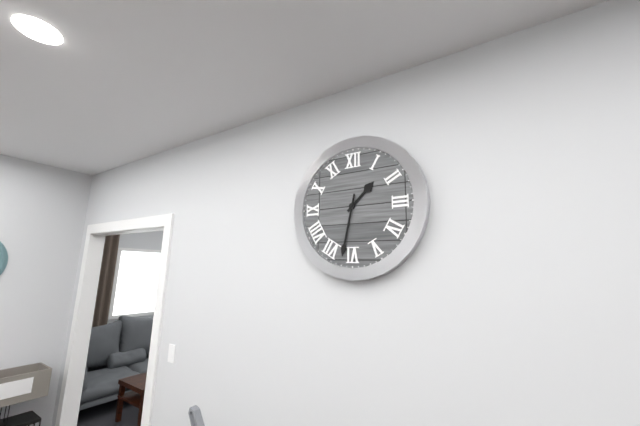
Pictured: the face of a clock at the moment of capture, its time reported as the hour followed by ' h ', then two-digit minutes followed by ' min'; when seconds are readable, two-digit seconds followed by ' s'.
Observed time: 1 h 32 min
